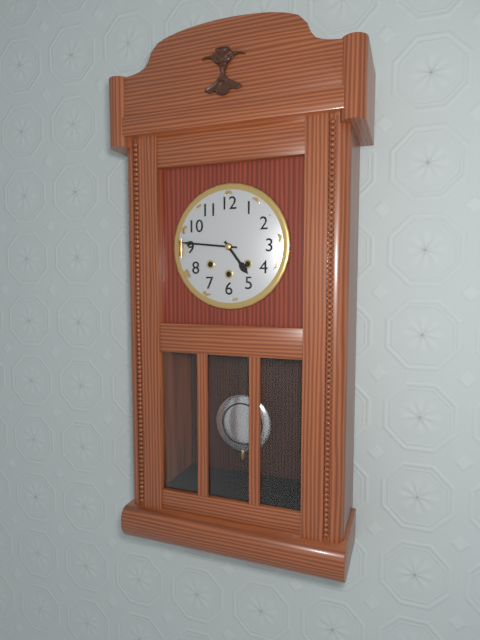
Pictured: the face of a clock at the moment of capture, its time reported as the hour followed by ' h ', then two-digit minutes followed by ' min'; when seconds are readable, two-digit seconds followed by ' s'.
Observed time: 4 h 46 min
